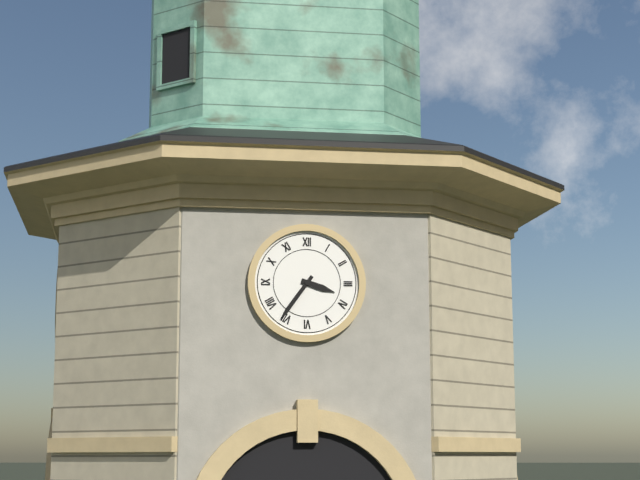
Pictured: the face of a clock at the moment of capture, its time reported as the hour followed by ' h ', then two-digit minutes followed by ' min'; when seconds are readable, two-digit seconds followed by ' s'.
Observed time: 3 h 36 min
